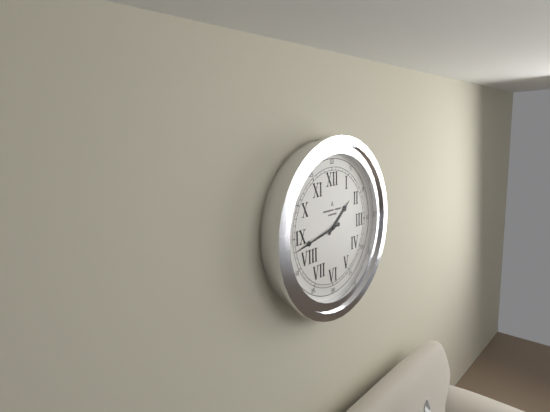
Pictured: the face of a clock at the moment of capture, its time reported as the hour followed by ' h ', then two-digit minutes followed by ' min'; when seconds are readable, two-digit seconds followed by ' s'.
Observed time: 1 h 43 min
